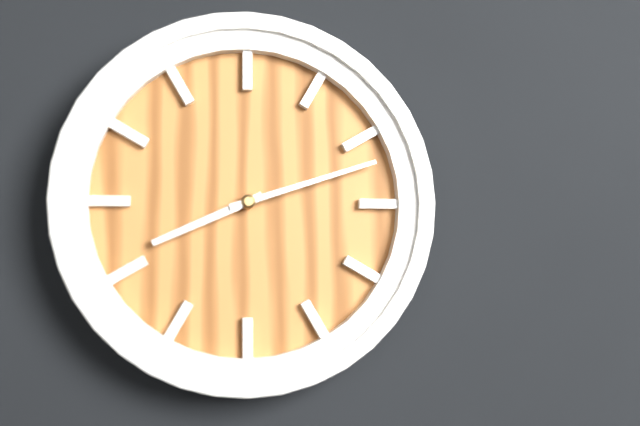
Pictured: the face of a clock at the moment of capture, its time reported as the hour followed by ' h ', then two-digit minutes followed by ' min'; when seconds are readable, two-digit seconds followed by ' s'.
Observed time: 8 h 12 min
